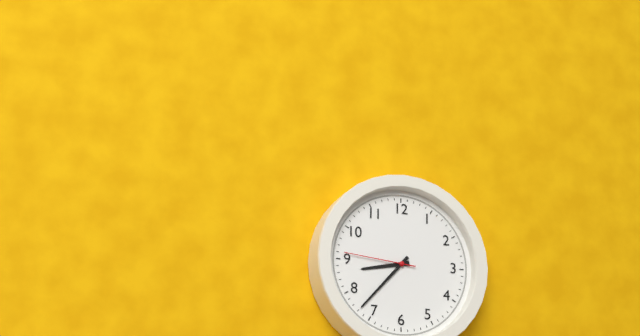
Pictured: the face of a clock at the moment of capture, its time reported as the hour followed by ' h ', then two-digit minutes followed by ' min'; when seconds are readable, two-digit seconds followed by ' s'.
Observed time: 8 h 37 min 46 s
